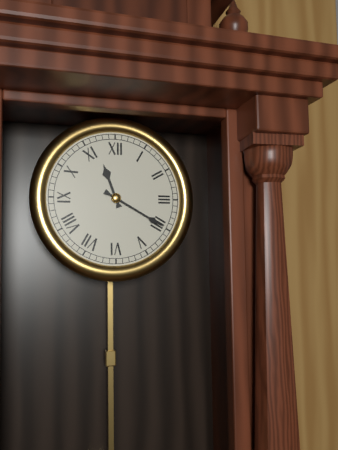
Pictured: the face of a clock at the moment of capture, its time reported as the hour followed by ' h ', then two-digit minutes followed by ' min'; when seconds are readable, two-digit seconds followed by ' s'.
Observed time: 11 h 20 min
